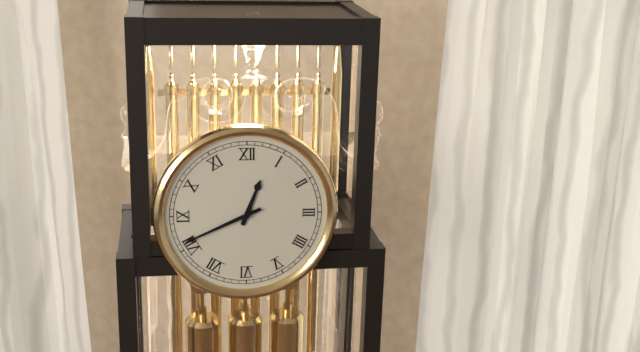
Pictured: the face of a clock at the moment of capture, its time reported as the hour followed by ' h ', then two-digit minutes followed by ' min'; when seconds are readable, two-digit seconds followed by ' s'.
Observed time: 12 h 41 min
